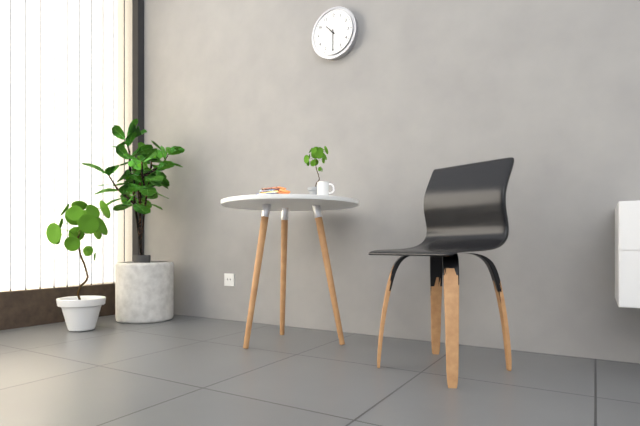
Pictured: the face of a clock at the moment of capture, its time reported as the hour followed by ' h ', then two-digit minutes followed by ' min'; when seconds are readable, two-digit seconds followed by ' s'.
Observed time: 10 h 30 min
